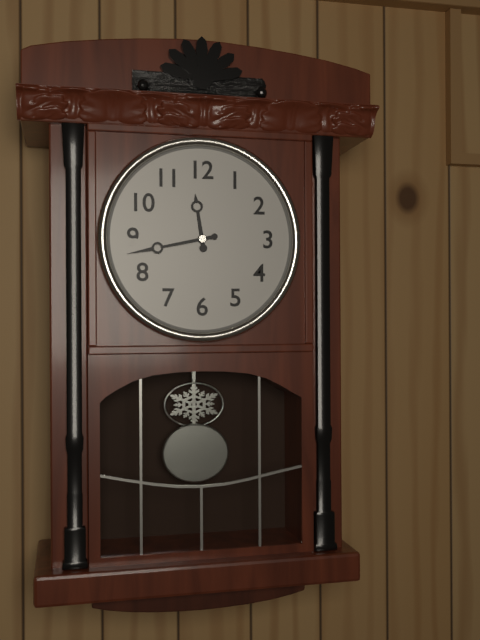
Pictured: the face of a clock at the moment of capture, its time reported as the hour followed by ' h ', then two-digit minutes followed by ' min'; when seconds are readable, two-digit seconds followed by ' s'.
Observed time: 11 h 43 min
